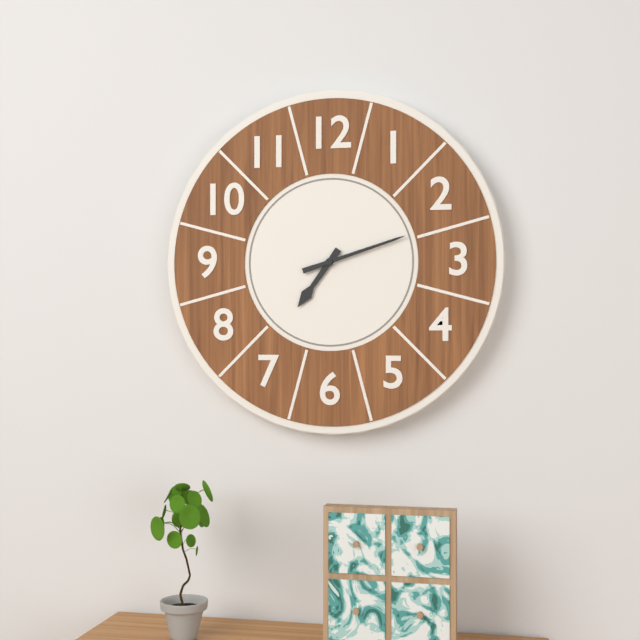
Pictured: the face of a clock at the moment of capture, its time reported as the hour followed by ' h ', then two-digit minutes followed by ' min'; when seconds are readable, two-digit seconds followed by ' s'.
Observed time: 7 h 12 min
